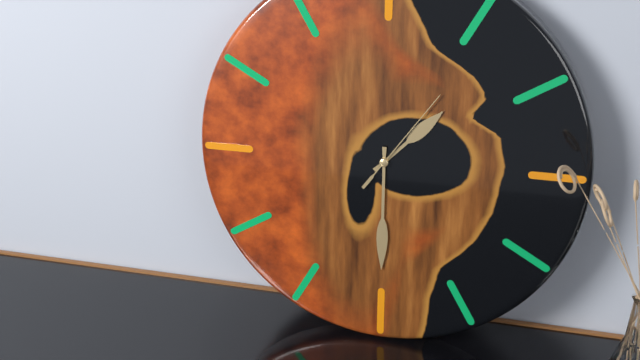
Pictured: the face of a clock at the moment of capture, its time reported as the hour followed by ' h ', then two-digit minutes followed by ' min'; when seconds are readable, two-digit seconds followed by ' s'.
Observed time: 1 h 30 min 06 s
